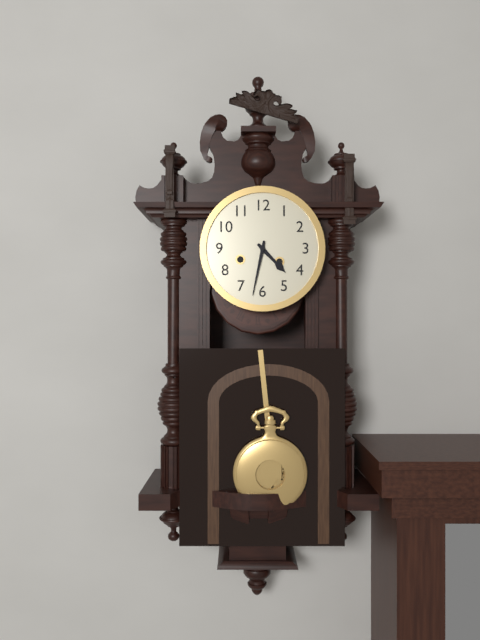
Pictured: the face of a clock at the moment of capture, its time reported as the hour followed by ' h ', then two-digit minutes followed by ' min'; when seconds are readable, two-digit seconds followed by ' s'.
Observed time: 4 h 32 min
